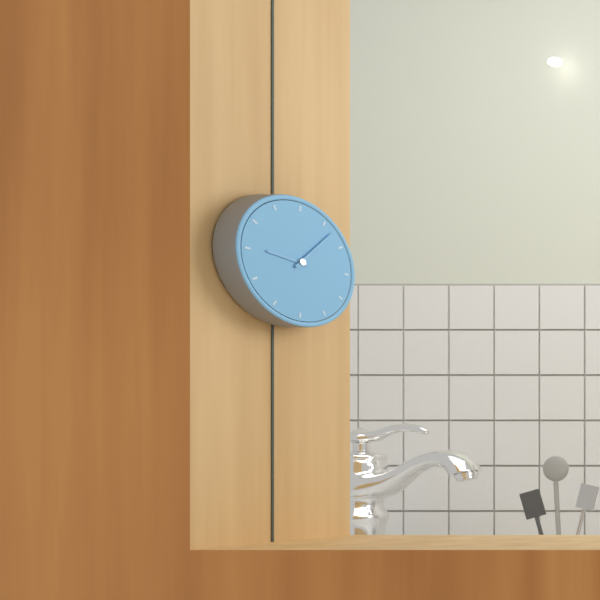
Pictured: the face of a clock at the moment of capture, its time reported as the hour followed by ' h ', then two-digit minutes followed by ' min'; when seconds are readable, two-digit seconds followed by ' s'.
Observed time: 9 h 07 min
